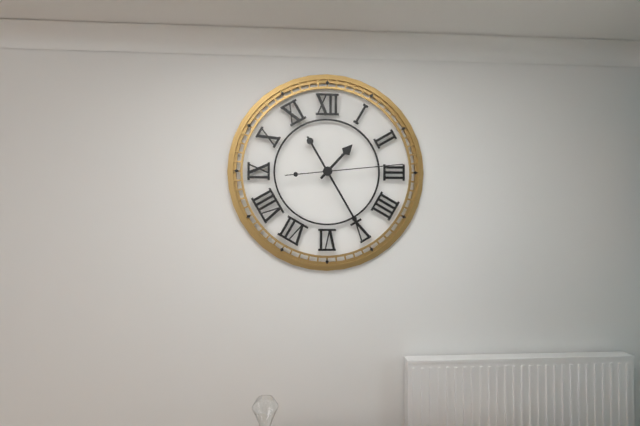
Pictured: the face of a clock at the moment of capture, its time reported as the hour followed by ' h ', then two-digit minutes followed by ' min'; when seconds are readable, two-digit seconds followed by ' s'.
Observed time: 1 h 25 min 14 s
